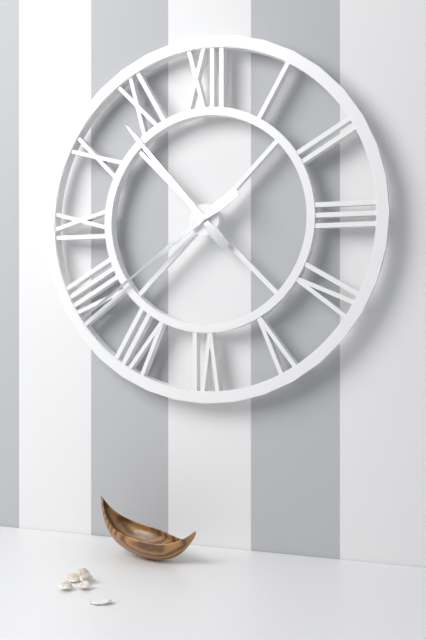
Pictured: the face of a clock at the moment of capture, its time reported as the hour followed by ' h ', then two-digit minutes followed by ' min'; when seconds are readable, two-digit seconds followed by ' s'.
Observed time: 10 h 39 min
